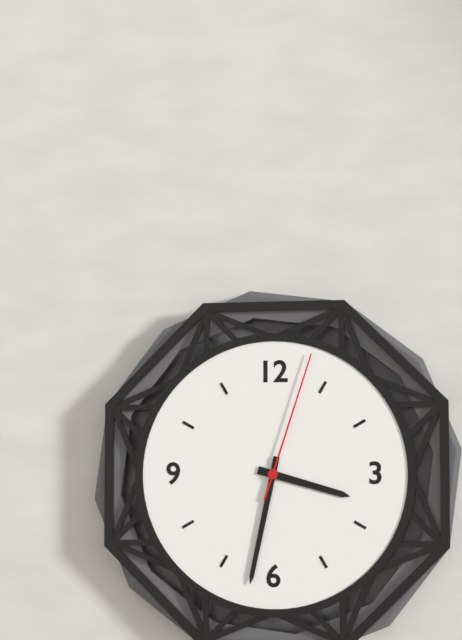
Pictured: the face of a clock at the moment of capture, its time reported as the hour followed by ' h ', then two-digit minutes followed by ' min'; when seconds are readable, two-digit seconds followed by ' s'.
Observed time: 3 h 32 min 03 s
